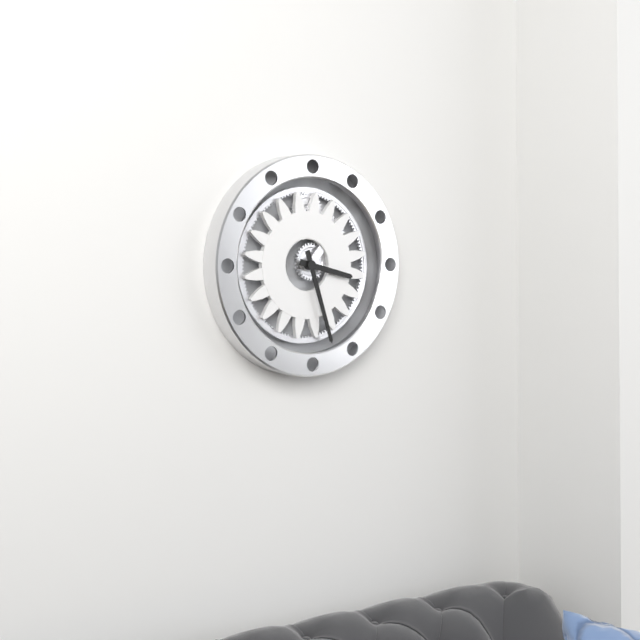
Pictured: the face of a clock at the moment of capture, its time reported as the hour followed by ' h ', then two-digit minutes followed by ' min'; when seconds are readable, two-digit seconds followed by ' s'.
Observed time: 3 h 27 min
